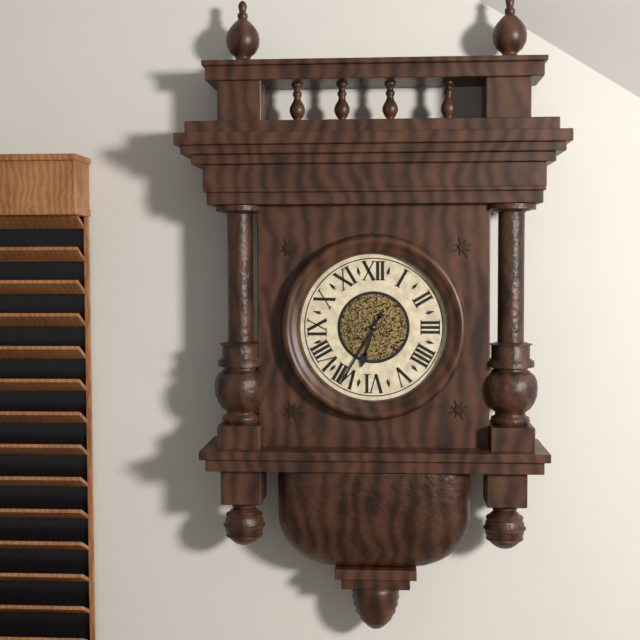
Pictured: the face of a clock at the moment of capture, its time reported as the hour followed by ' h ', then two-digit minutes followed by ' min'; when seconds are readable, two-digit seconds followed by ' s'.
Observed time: 6 h 35 min
